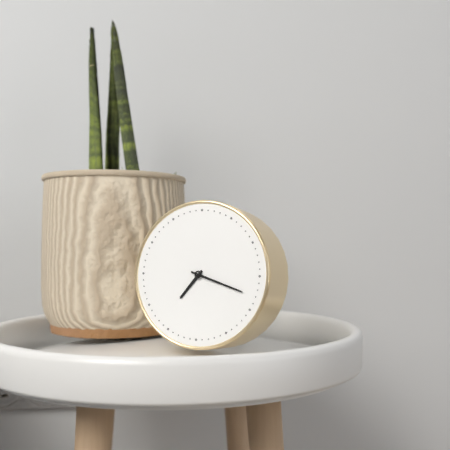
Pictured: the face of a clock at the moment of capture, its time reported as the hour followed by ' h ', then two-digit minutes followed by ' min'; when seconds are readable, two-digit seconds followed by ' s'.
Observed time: 7 h 18 min
